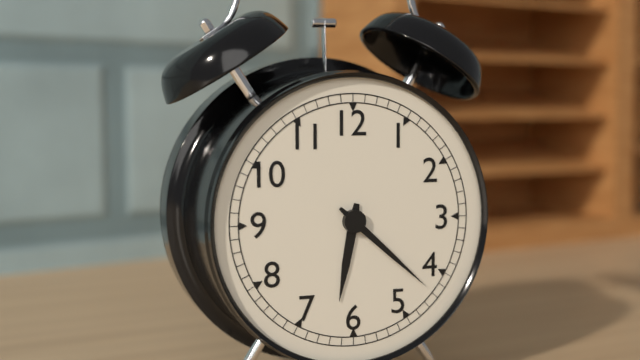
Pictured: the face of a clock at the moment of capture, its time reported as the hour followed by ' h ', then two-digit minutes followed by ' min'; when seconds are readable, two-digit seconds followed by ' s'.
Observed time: 6 h 22 min
